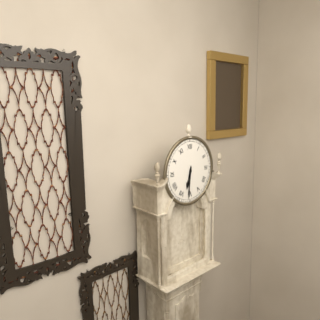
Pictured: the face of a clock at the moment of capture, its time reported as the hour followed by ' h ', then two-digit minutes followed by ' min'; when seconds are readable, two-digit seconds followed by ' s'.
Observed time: 6 h 31 min
